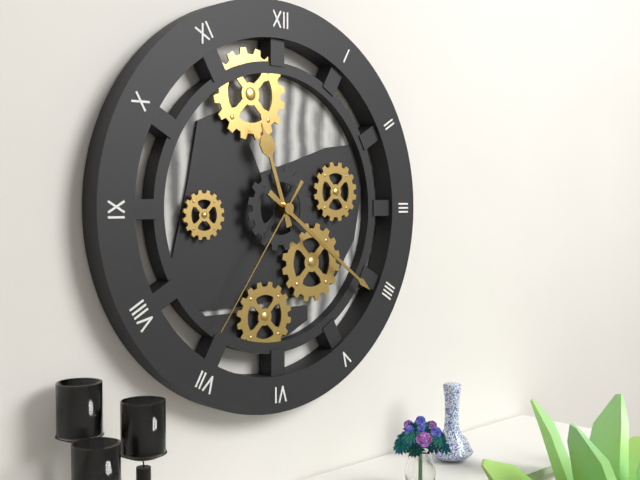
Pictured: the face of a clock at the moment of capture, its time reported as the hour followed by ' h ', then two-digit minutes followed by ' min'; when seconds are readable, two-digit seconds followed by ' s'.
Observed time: 11 h 21 min 36 s
